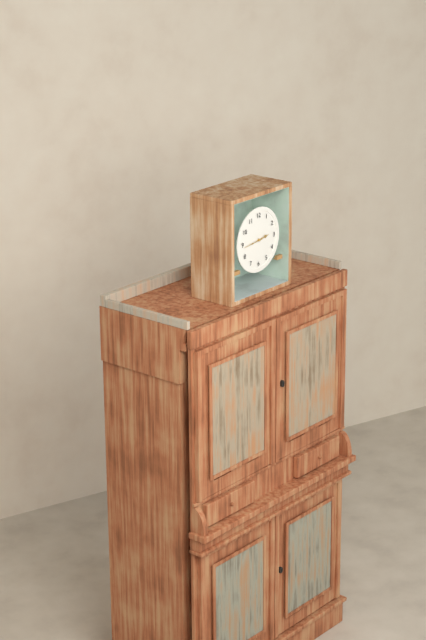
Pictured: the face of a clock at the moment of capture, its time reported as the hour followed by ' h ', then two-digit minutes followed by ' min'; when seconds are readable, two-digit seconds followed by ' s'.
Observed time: 2 h 44 min
